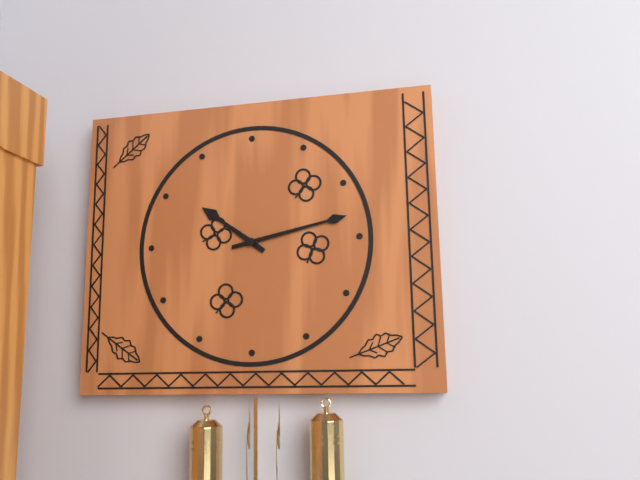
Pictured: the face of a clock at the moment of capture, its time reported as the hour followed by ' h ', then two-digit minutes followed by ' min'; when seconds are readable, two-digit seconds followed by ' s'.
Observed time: 10 h 13 min
